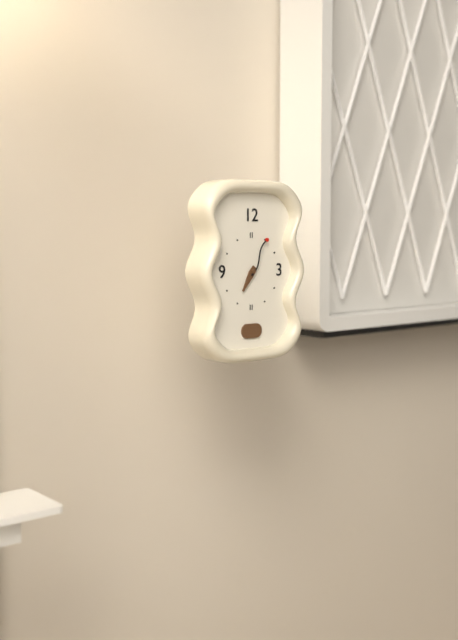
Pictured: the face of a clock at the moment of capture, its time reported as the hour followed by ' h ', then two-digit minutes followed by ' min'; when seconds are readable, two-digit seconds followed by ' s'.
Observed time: 7 h 05 min
